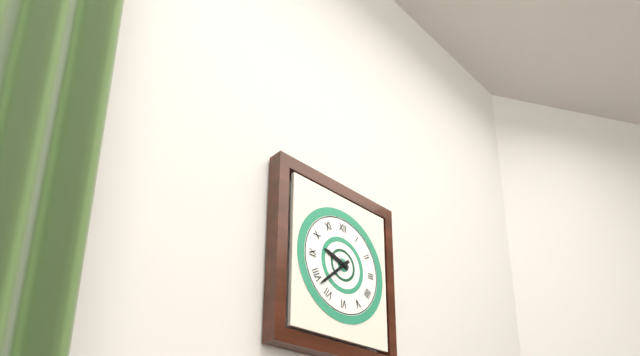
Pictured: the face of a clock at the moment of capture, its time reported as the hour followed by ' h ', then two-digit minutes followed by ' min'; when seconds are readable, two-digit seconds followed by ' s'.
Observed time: 9 h 38 min
